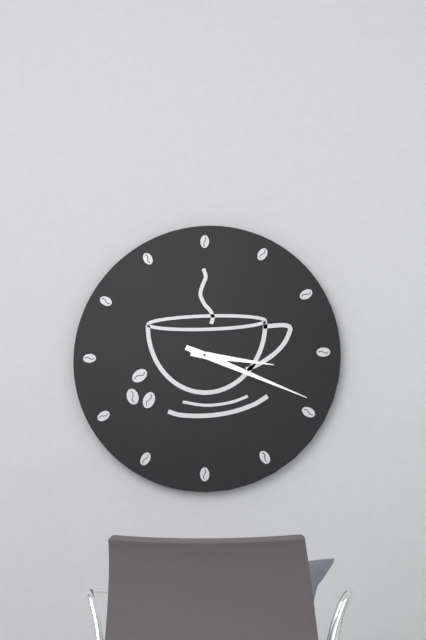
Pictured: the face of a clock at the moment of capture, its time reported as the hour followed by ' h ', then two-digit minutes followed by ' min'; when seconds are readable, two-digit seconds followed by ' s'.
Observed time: 3 h 19 min
